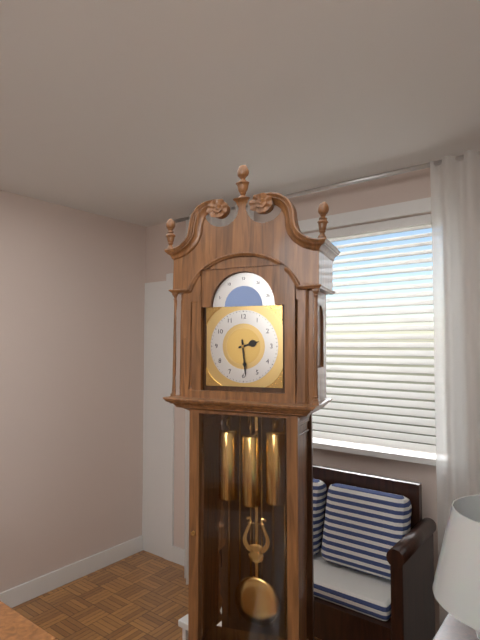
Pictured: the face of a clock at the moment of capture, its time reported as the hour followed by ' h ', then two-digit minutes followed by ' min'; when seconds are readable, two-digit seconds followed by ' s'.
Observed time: 2 h 29 min
